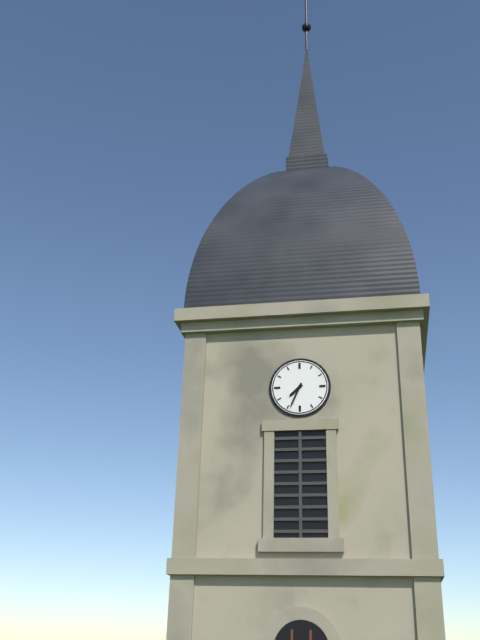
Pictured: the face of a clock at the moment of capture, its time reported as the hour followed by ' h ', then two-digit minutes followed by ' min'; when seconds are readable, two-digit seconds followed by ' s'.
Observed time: 7 h 34 min
